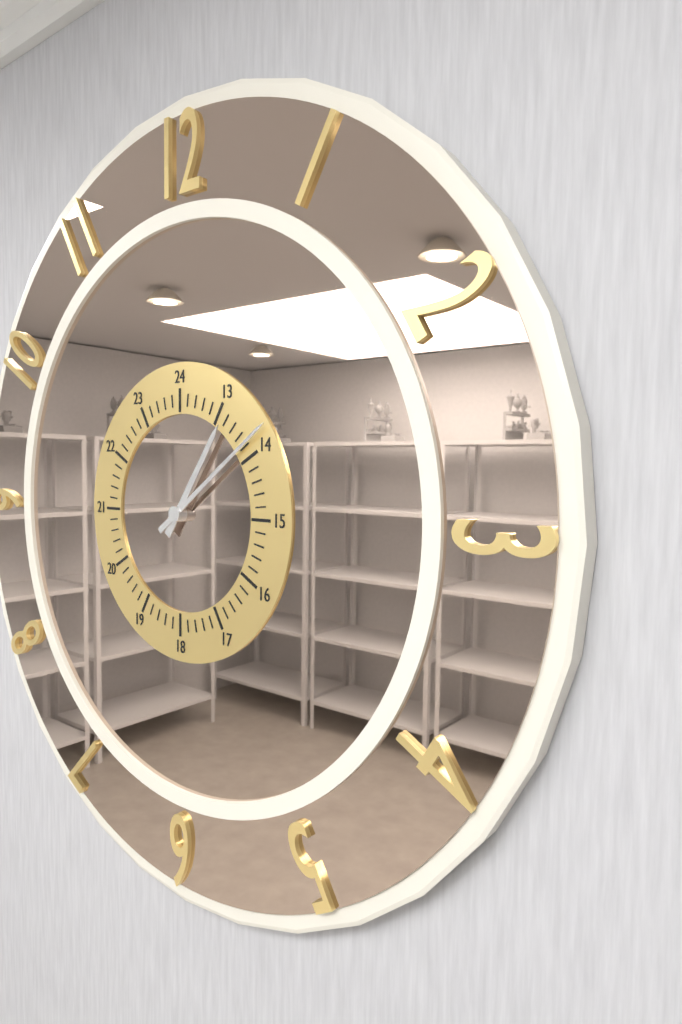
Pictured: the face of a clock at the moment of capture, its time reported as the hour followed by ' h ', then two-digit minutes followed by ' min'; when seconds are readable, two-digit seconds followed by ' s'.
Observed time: 1 h 09 min
